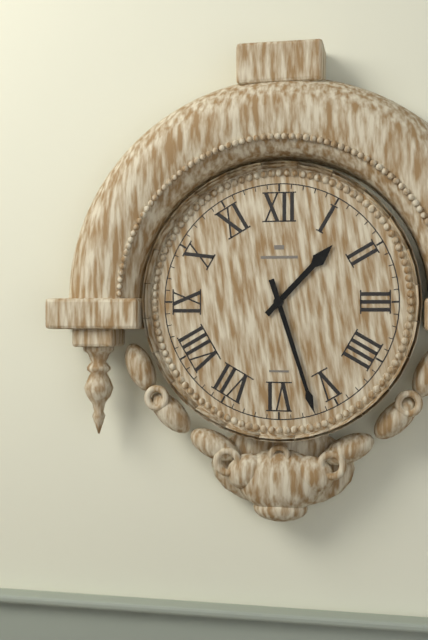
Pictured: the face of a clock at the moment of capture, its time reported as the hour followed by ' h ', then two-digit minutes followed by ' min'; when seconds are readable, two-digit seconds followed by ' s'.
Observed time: 1 h 27 min
